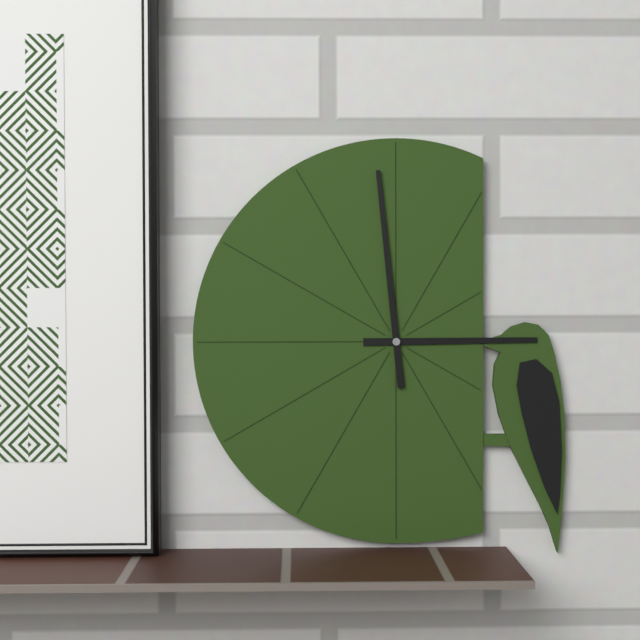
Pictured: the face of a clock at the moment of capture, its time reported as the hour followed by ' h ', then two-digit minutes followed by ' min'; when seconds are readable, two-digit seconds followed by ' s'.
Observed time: 2 h 59 min
